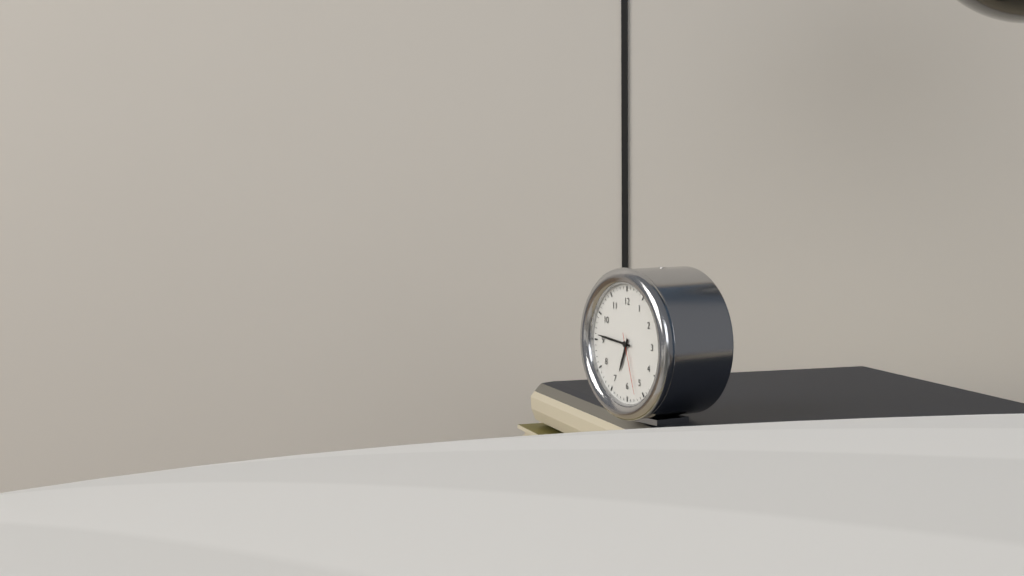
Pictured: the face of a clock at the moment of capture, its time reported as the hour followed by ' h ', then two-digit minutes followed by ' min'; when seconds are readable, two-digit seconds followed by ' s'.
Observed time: 6 h 46 min 27 s
